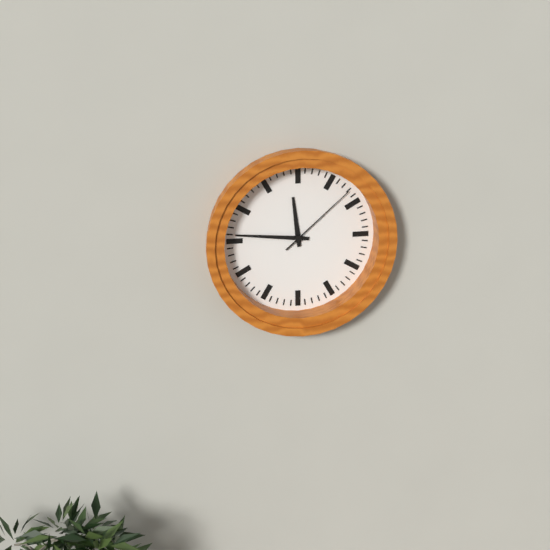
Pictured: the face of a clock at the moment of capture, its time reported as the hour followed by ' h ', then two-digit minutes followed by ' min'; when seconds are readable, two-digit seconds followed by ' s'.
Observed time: 11 h 46 min 08 s
